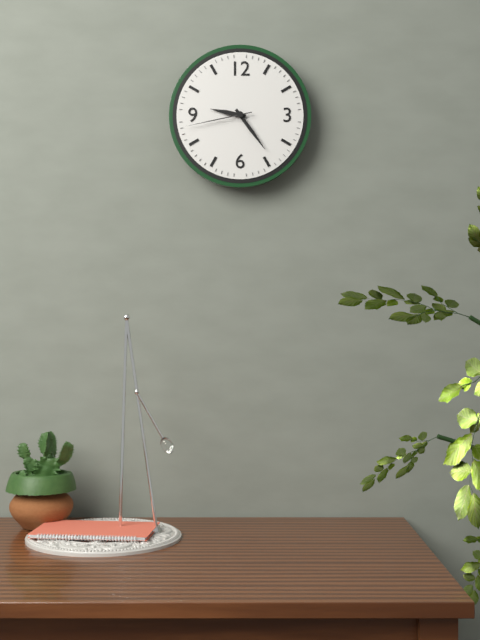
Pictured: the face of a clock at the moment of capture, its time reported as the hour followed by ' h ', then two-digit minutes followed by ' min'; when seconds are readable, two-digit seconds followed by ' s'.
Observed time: 9 h 24 min 43 s
